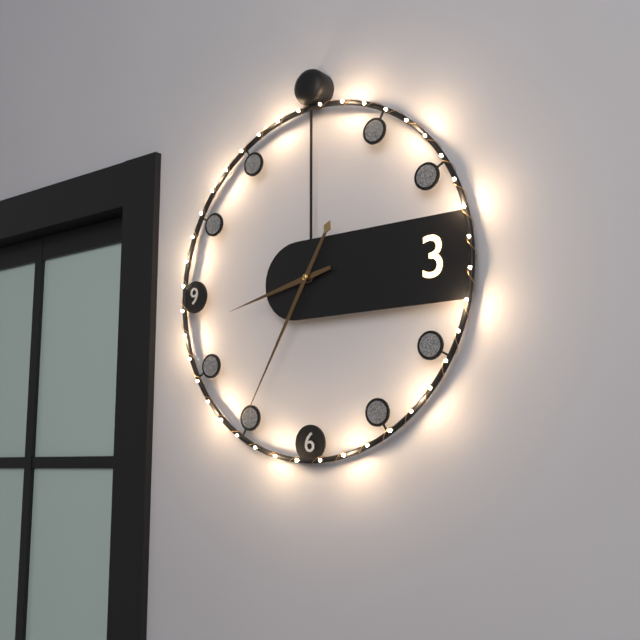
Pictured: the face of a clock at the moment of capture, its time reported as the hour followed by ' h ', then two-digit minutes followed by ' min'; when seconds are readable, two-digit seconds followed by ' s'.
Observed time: 8 h 35 min
